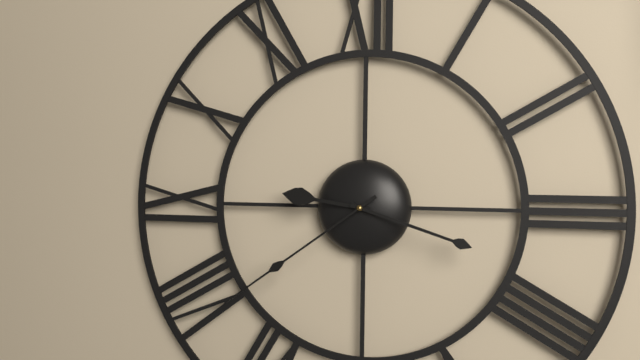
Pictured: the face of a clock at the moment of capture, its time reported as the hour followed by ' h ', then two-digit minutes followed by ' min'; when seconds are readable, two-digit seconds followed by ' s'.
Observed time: 9 h 18 min 39 s
